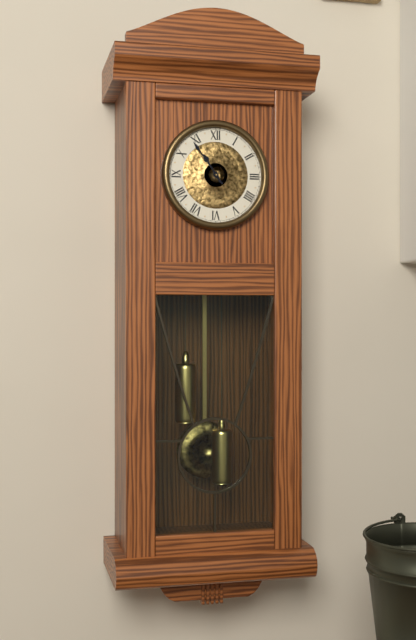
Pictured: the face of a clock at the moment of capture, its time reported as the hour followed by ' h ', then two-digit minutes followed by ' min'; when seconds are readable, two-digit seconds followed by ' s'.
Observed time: 10 h 54 min
